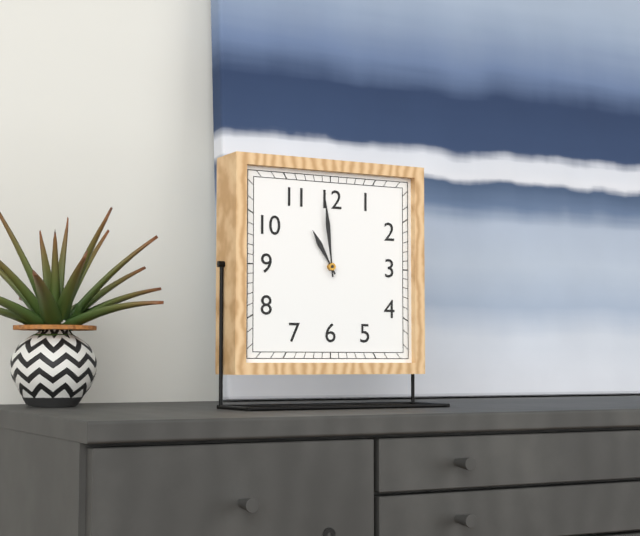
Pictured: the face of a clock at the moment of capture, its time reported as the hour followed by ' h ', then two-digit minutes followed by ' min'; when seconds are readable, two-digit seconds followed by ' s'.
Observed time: 10 h 59 min
